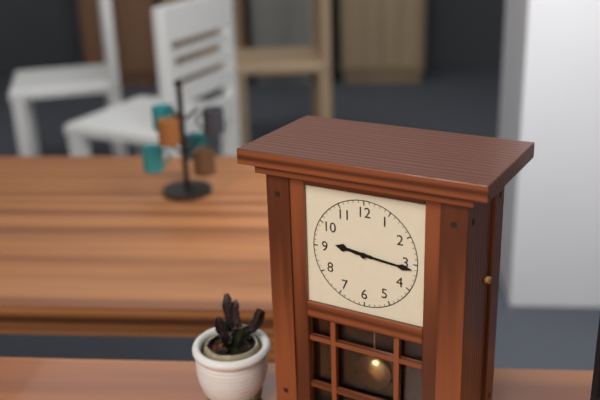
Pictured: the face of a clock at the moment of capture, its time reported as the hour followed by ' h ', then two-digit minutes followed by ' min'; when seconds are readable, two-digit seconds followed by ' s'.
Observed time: 9 h 16 min
